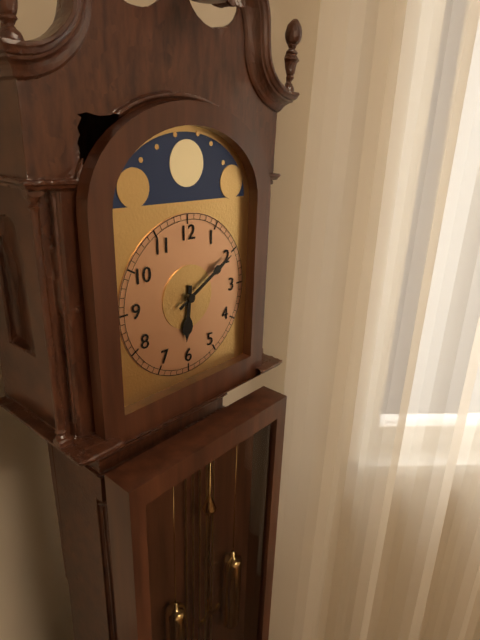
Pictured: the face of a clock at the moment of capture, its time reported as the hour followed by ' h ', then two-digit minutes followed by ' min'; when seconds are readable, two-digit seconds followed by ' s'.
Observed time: 6 h 10 min
